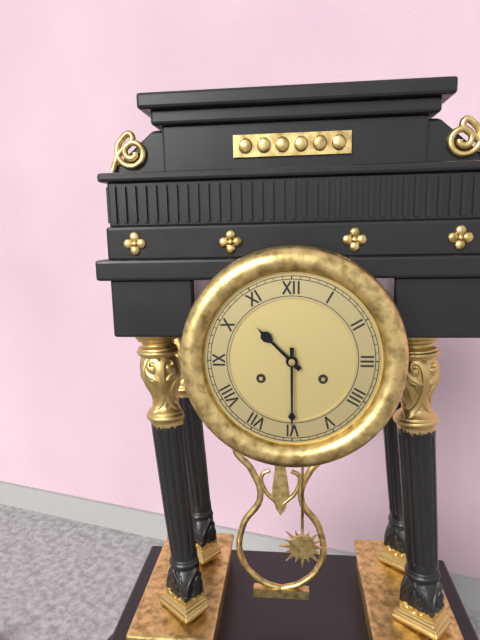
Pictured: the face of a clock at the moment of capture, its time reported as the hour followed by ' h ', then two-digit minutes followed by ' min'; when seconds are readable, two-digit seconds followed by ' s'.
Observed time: 10 h 30 min
